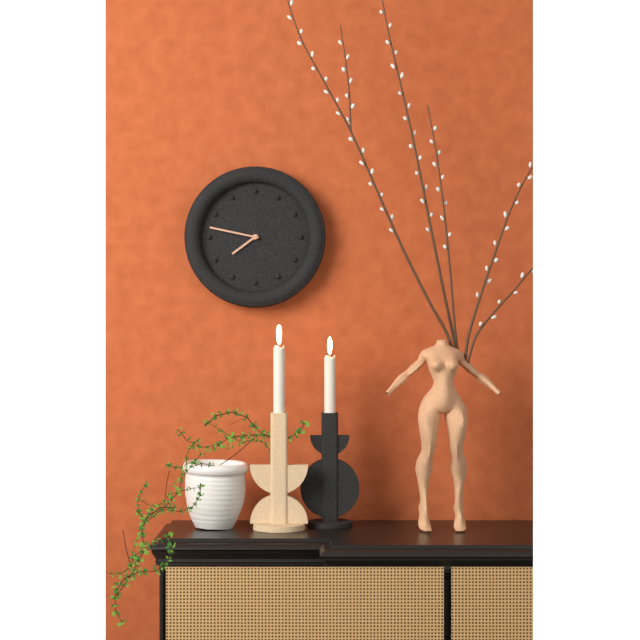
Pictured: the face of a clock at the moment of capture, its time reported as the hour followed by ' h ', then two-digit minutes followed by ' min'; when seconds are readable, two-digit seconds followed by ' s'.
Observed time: 7 h 47 min
